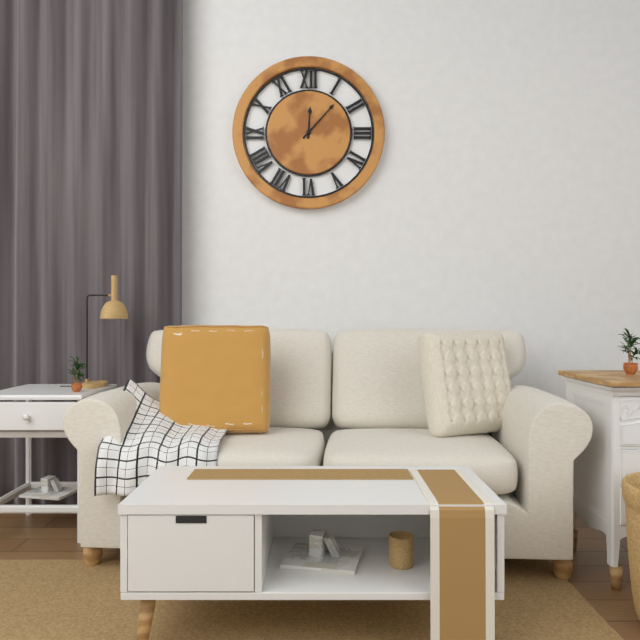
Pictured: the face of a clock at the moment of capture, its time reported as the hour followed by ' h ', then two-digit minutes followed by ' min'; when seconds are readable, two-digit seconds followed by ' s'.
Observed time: 12 h 07 min
